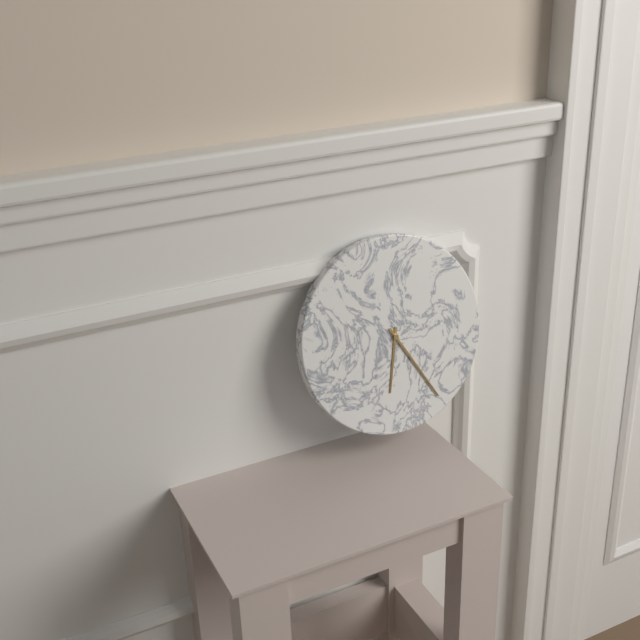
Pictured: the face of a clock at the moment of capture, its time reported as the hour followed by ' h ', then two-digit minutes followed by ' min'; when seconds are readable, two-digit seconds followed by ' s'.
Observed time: 6 h 25 min
